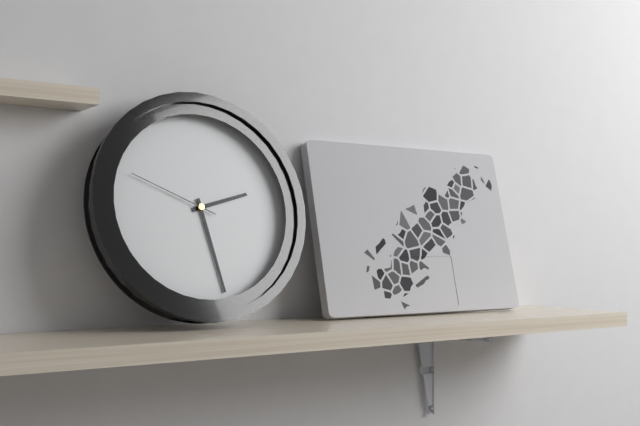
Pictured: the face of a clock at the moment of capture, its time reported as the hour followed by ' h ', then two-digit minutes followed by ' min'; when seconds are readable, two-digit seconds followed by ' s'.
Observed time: 2 h 28 min 49 s
